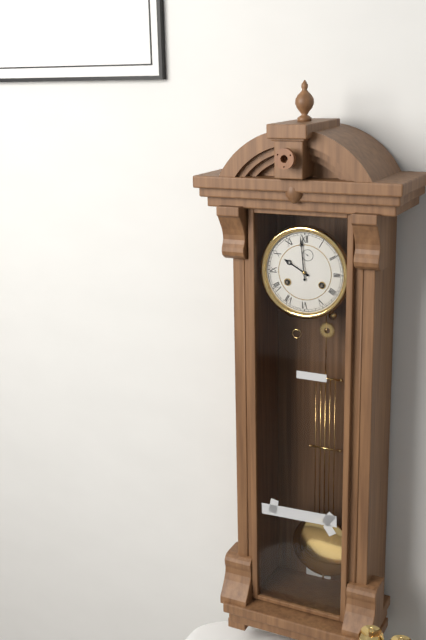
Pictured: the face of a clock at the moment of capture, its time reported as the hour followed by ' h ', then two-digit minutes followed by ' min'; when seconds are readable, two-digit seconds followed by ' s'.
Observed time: 9 h 59 min
